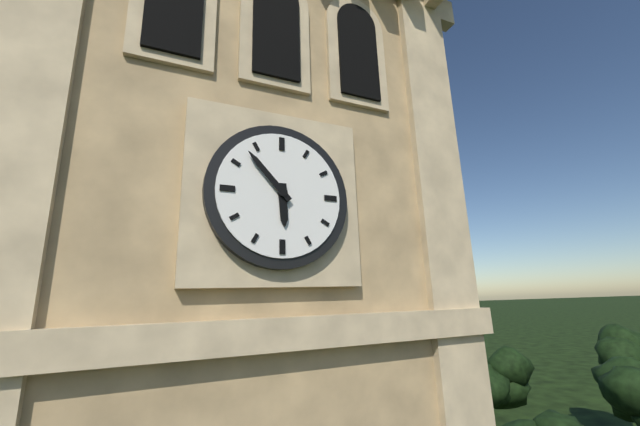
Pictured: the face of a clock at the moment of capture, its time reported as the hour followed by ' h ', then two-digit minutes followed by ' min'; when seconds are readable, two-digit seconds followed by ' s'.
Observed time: 5 h 53 min
